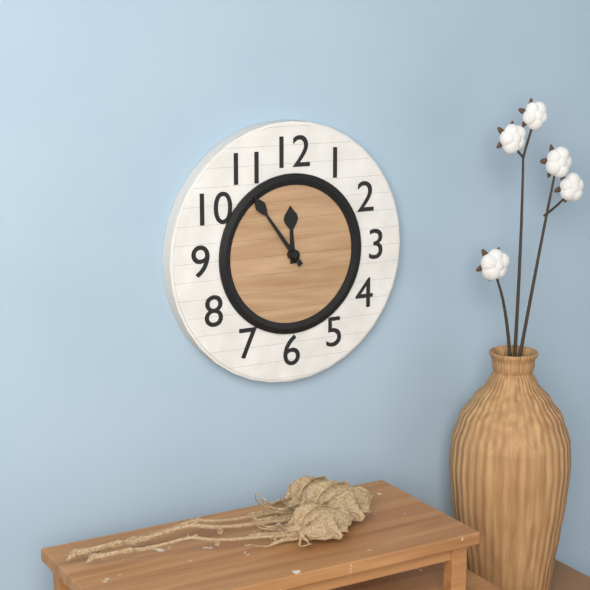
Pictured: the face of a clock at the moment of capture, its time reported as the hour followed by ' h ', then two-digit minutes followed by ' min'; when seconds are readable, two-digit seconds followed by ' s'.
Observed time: 11 h 54 min
